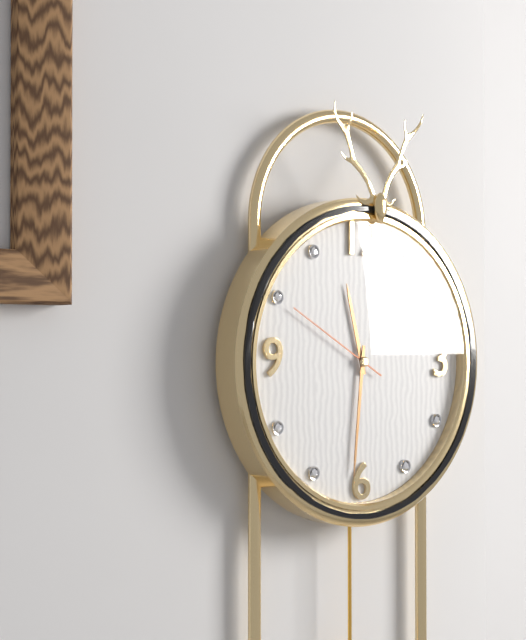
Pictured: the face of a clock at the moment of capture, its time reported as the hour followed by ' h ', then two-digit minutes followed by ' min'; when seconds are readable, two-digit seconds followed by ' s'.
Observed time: 11 h 31 min 50 s
